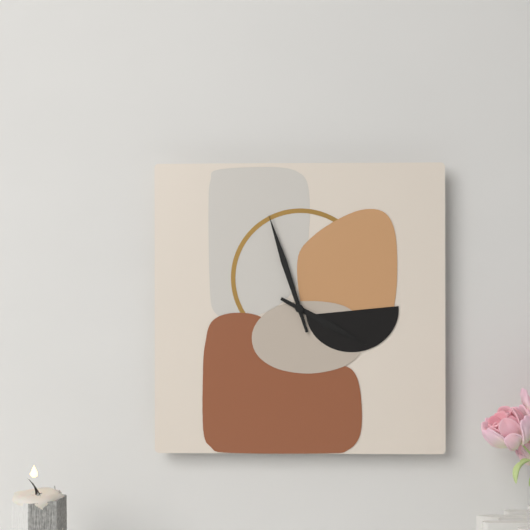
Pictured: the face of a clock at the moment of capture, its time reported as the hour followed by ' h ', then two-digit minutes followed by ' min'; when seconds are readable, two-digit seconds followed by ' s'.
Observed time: 3 h 57 min
